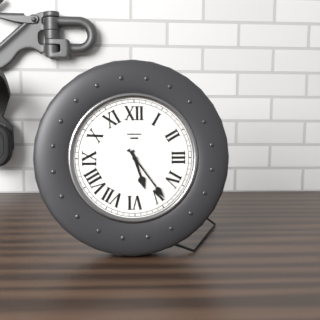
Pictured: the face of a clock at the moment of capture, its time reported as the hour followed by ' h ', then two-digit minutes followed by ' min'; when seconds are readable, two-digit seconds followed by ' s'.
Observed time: 5 h 24 min
